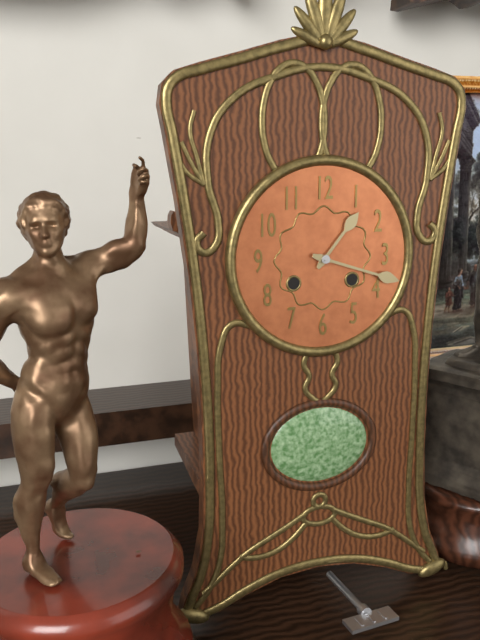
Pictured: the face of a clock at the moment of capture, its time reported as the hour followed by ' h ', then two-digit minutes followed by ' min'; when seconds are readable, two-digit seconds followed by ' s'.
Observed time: 1 h 18 min
